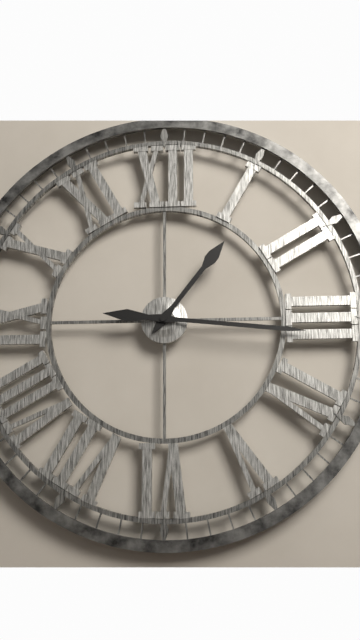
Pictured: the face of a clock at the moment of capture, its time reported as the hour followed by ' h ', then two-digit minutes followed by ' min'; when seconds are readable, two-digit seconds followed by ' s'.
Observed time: 1 h 16 min
